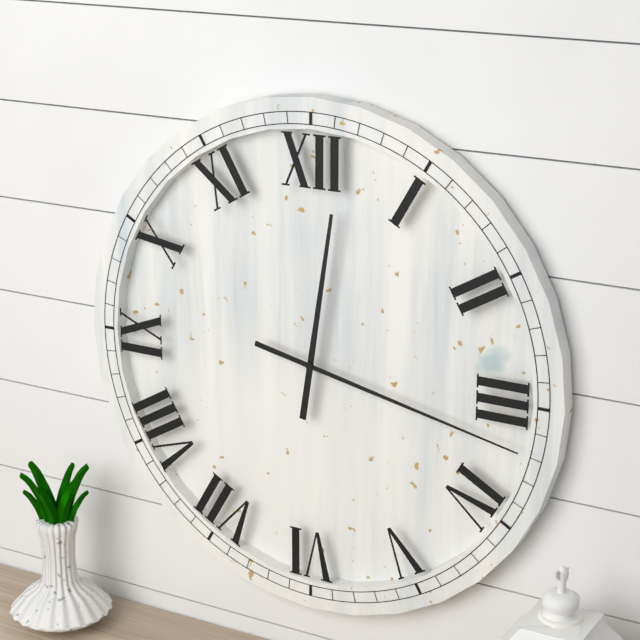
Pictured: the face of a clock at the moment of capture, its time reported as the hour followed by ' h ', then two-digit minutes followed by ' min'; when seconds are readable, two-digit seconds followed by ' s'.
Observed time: 12 h 17 min
